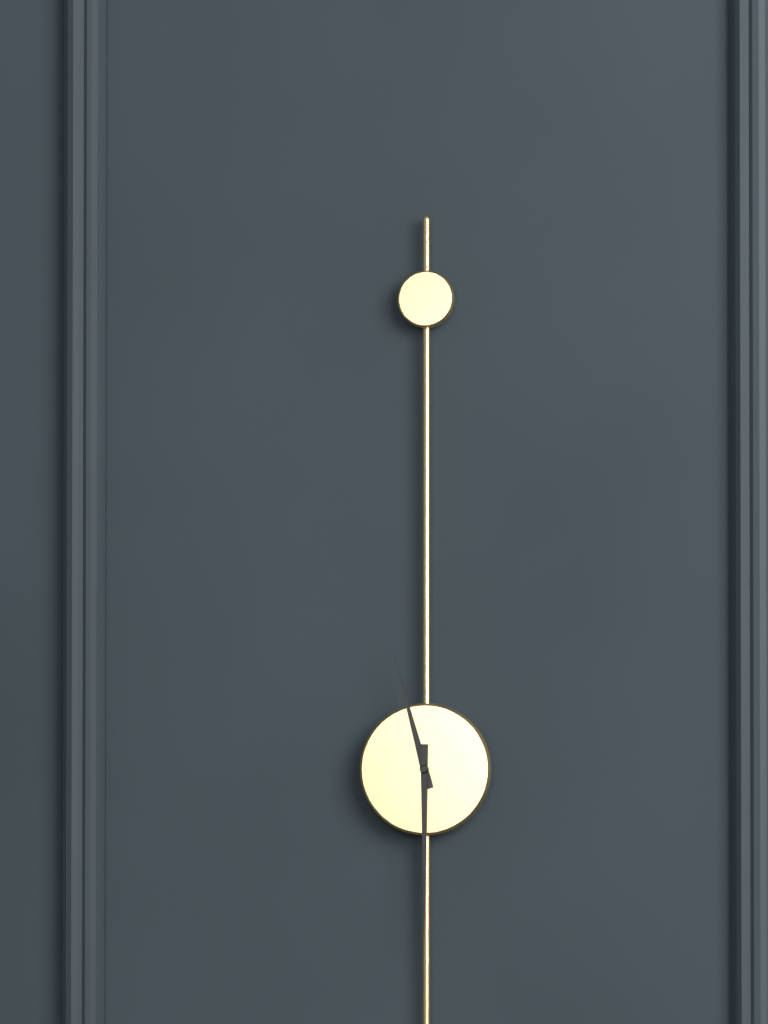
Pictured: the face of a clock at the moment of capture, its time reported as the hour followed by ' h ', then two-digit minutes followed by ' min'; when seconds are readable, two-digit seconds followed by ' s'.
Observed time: 11 h 30 min
